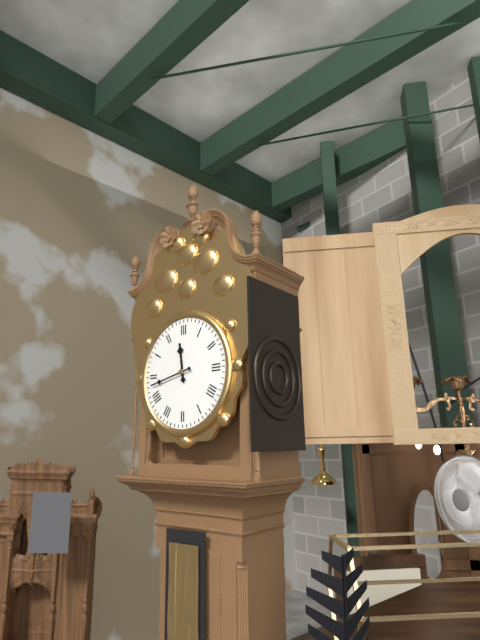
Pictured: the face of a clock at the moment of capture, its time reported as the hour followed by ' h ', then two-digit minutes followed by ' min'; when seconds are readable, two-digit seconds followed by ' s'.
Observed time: 11 h 43 min
